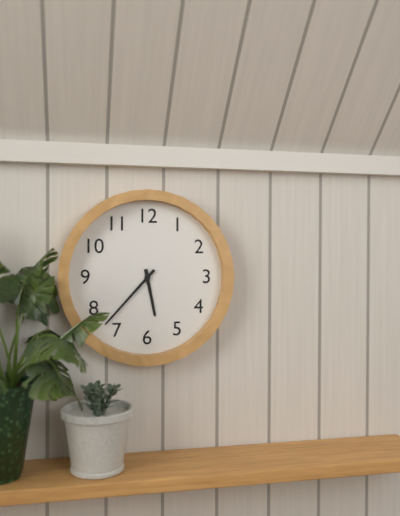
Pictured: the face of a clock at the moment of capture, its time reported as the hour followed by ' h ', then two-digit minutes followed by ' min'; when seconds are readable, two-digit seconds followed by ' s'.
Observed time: 5 h 37 min
